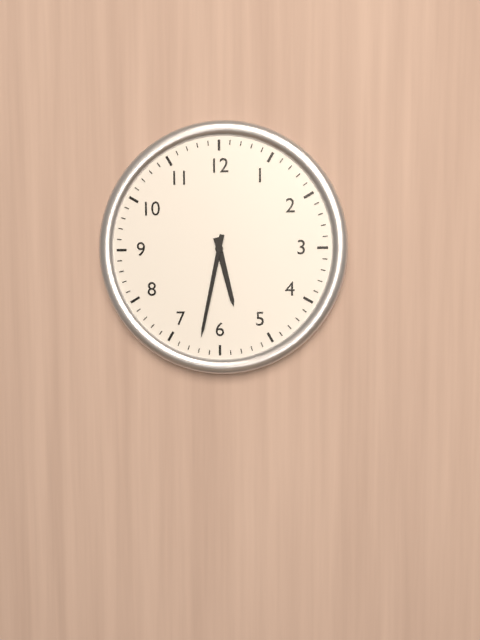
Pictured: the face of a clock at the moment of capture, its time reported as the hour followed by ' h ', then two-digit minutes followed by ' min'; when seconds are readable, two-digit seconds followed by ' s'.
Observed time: 5 h 32 min
